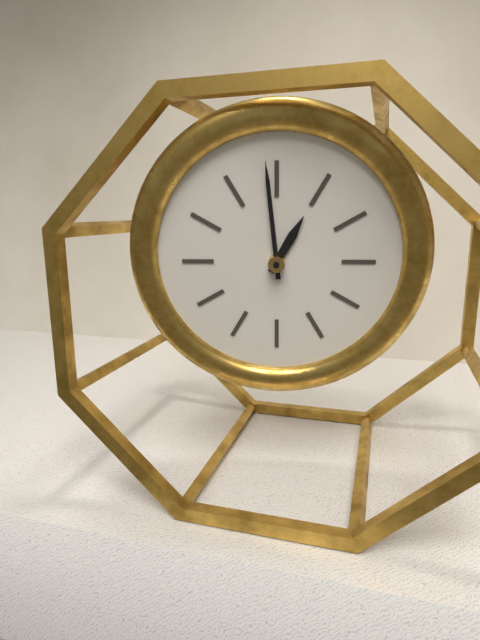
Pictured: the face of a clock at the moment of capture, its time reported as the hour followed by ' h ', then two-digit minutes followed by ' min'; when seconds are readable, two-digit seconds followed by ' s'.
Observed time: 12 h 59 min
